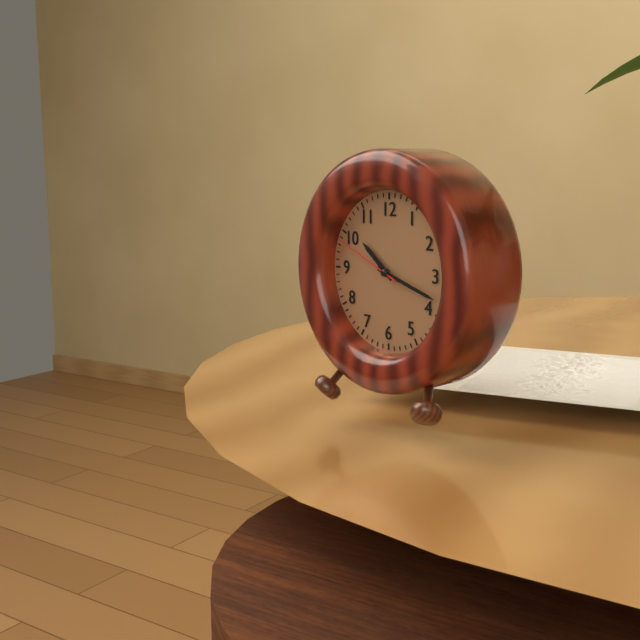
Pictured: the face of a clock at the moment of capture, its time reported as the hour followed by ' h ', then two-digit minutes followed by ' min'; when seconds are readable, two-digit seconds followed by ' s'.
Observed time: 10 h 18 min 49 s
